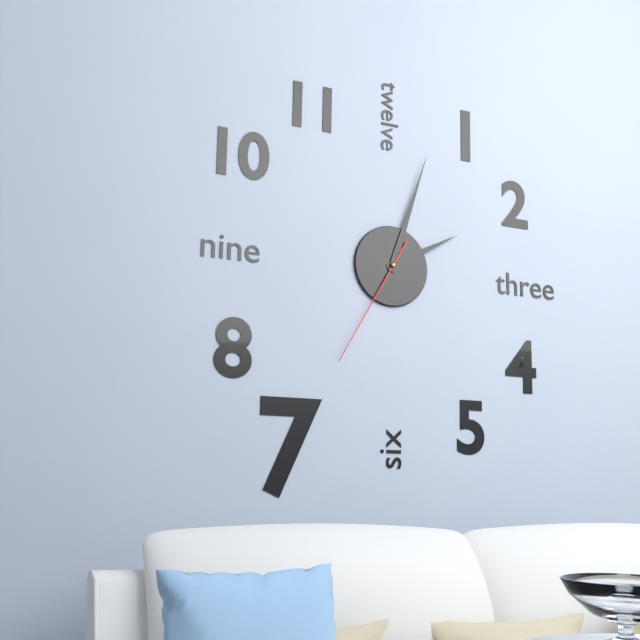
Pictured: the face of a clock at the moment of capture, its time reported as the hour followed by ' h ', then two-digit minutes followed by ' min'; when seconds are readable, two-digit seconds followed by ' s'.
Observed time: 2 h 03 min 35 s
